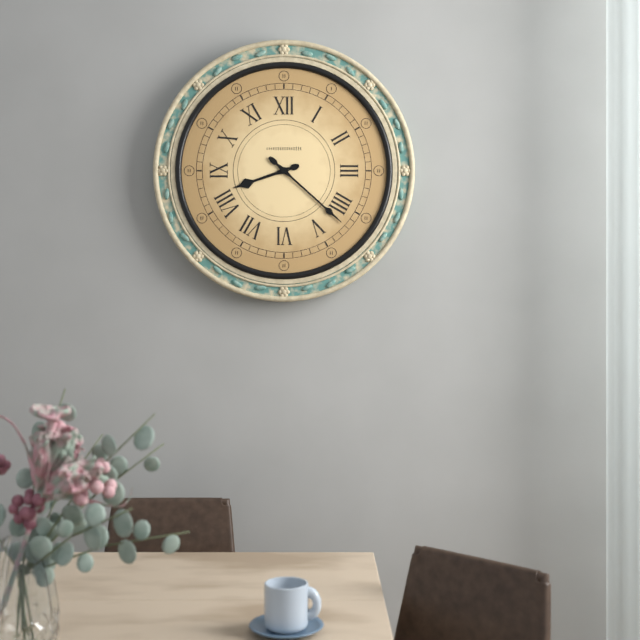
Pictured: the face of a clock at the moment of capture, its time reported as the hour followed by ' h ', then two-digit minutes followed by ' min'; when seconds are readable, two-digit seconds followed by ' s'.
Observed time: 8 h 22 min
